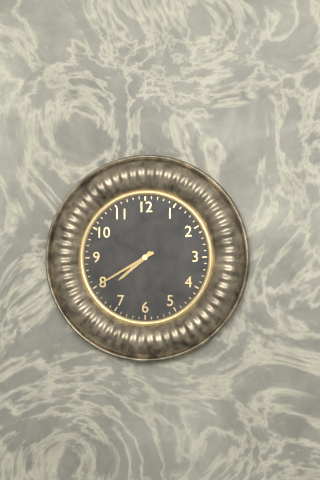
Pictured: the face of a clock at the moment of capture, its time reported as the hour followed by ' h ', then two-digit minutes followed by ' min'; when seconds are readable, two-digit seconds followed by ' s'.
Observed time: 7 h 40 min
